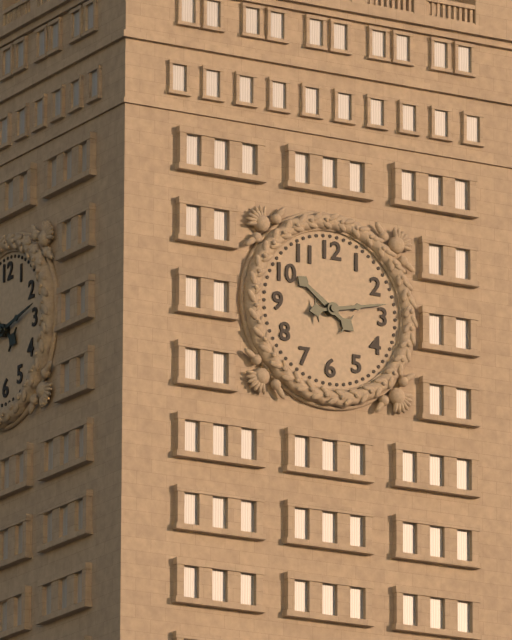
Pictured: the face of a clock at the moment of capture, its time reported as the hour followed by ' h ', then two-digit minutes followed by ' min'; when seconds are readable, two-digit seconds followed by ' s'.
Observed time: 10 h 13 min
